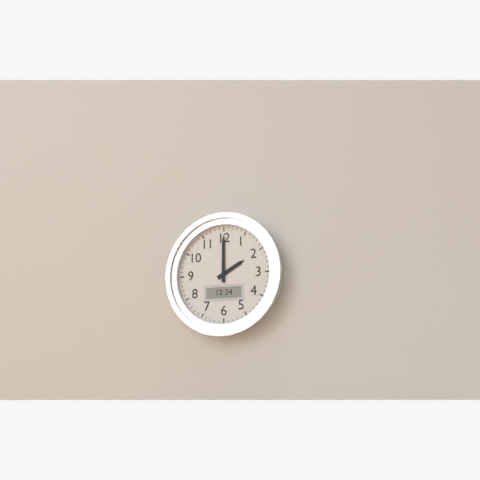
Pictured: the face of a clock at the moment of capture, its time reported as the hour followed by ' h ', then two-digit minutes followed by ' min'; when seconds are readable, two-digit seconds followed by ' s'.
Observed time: 2 h 00 min
